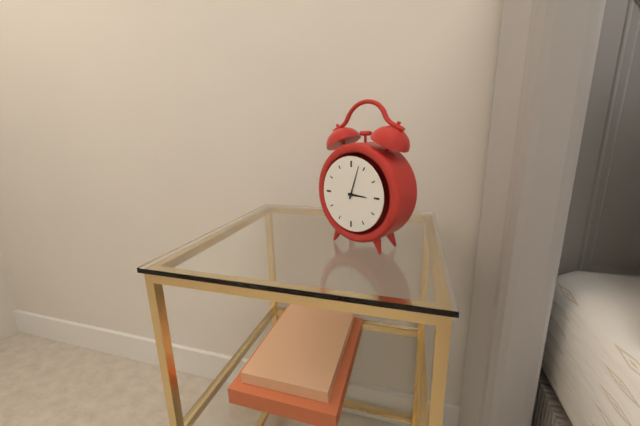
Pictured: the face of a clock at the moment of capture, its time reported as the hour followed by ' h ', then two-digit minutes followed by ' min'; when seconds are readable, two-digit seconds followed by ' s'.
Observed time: 3 h 03 min
